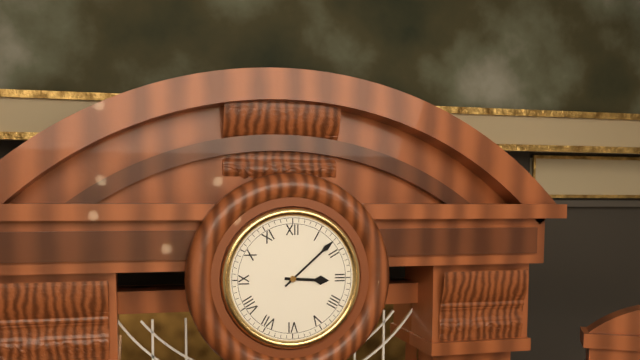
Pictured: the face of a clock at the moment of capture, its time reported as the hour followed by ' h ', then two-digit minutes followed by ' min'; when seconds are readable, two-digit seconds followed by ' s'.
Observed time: 3 h 08 min
